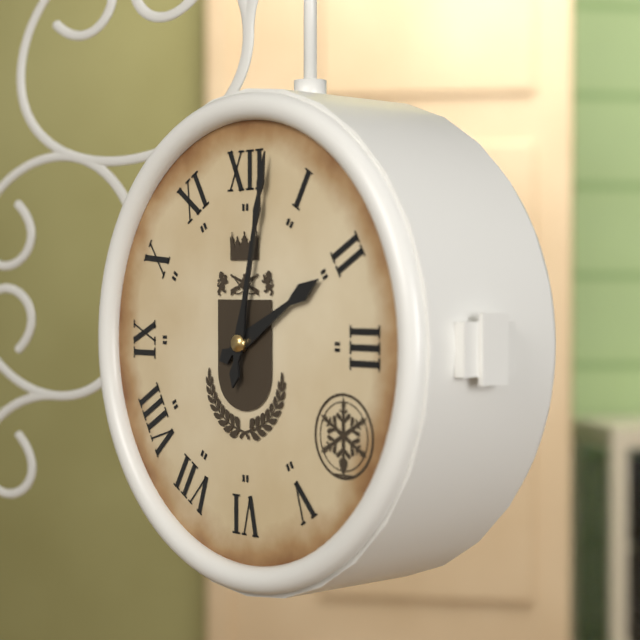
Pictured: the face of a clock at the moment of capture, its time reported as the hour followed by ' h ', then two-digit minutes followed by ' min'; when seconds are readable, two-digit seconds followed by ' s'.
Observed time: 2 h 02 min
